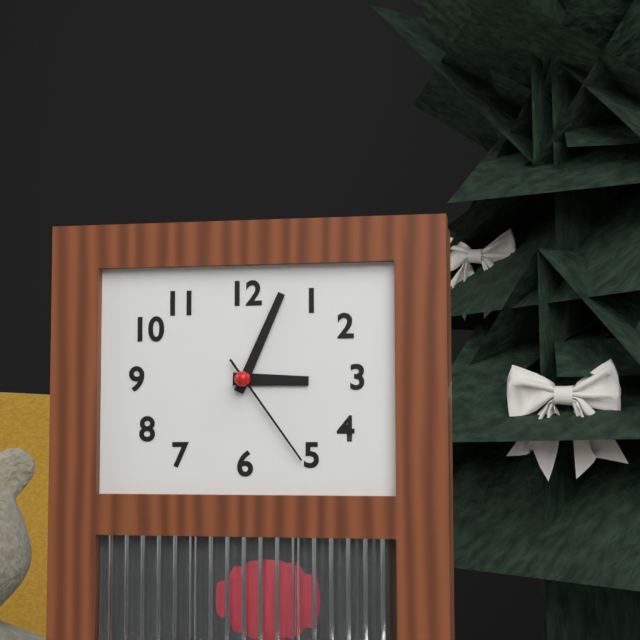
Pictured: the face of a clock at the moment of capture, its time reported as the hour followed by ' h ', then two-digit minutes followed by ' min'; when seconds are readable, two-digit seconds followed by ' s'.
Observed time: 3 h 04 min 24 s
